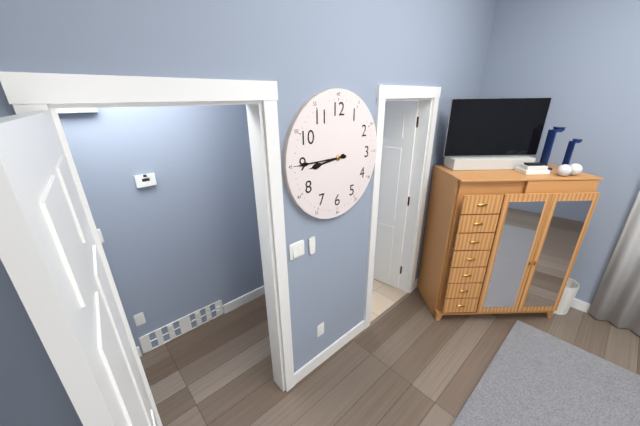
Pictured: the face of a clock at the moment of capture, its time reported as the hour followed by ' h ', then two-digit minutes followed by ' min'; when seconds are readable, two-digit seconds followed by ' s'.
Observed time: 8 h 45 min
